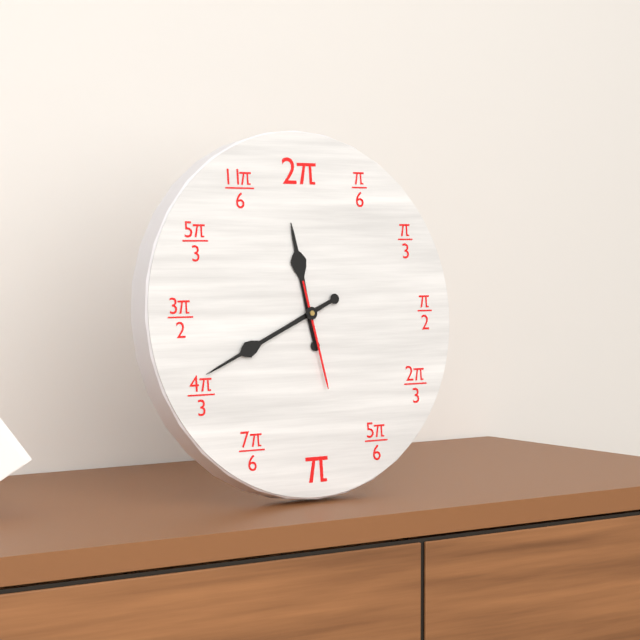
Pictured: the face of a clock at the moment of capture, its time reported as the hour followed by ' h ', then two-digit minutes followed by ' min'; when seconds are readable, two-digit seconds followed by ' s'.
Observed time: 11 h 41 min 28 s
